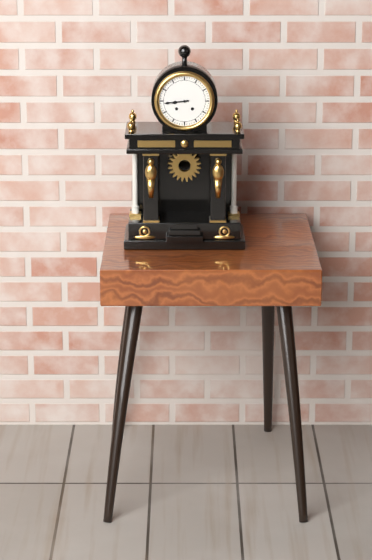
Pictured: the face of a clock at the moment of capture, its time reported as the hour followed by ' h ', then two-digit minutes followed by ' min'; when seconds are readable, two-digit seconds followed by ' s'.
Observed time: 8 h 44 min
